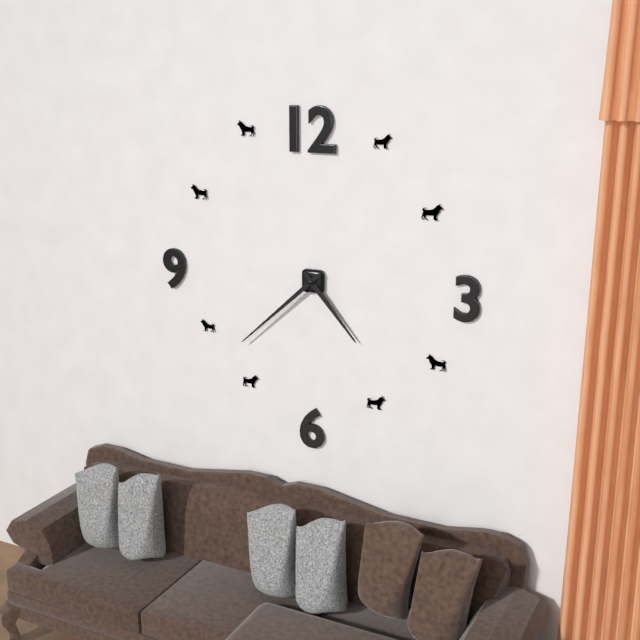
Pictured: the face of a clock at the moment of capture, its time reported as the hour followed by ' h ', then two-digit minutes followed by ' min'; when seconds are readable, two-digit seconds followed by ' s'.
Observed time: 4 h 38 min
